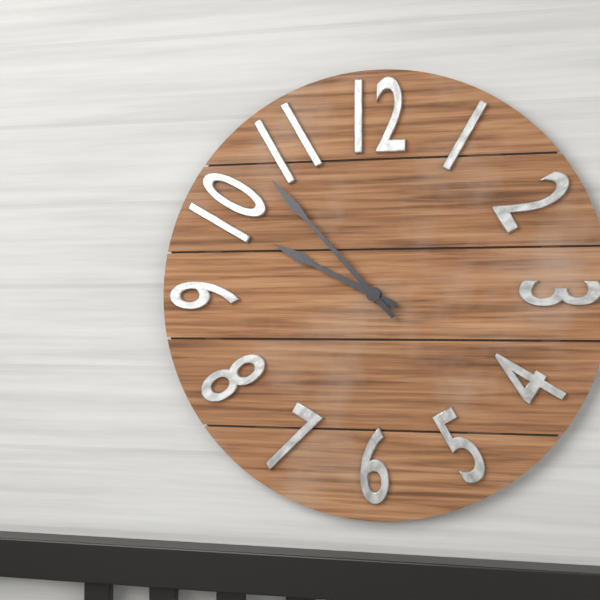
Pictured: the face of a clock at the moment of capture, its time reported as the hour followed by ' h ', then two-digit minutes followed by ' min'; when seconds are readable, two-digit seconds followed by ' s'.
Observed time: 9 h 53 min
